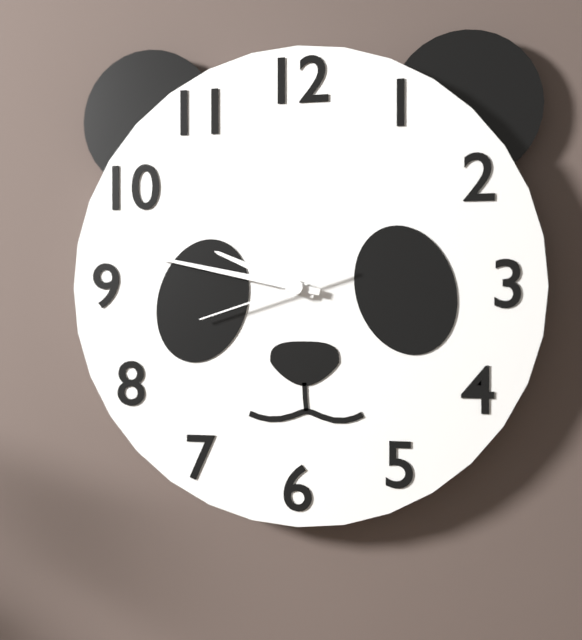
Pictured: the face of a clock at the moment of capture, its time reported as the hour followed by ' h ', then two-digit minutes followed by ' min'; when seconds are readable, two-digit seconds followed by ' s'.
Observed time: 9 h 47 min 42 s
